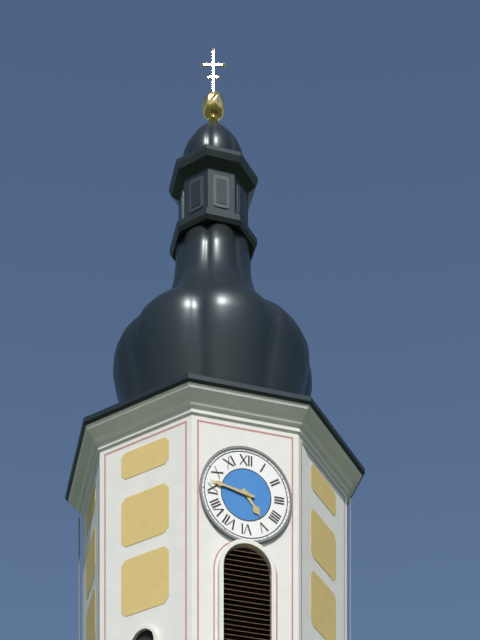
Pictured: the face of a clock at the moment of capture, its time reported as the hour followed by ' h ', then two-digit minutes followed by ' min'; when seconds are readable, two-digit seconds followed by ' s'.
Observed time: 4 h 47 min
